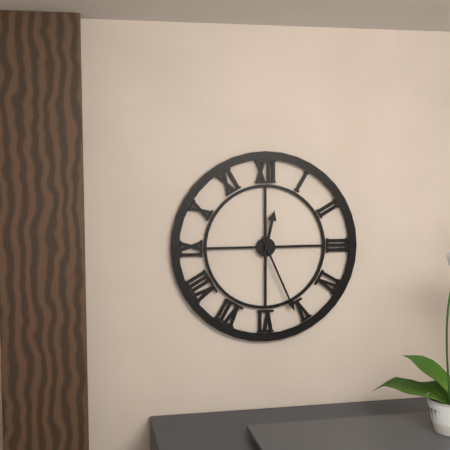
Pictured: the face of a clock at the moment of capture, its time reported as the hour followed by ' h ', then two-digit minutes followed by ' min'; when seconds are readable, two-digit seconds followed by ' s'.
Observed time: 12 h 26 min
